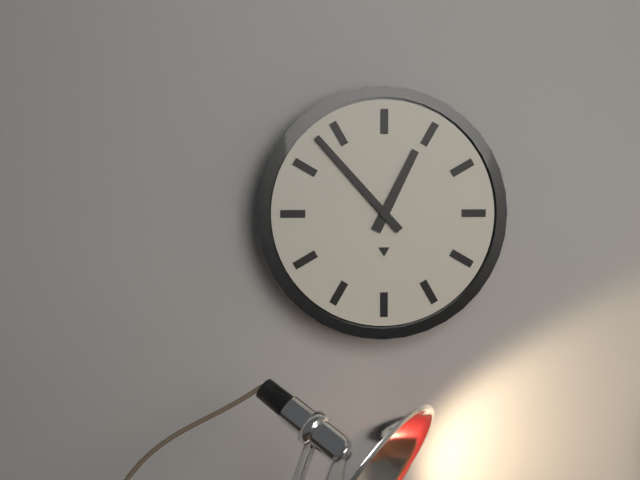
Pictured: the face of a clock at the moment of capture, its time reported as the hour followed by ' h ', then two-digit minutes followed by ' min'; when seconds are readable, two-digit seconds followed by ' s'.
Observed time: 12 h 53 min
